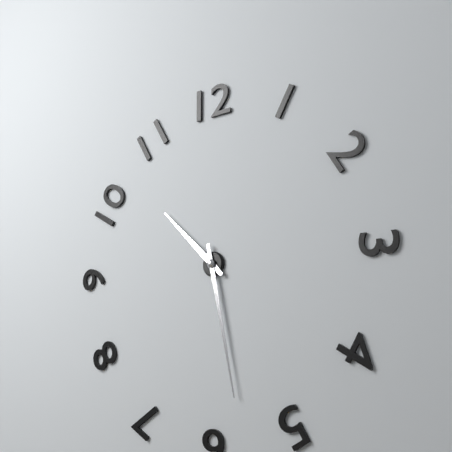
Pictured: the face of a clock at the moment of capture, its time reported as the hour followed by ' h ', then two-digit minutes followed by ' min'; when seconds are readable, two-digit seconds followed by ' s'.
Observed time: 10 h 28 min
